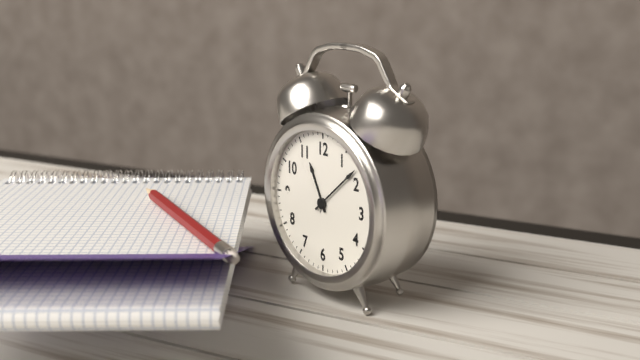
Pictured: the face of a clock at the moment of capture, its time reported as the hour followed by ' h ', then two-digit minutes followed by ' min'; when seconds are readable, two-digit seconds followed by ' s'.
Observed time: 11 h 08 min
